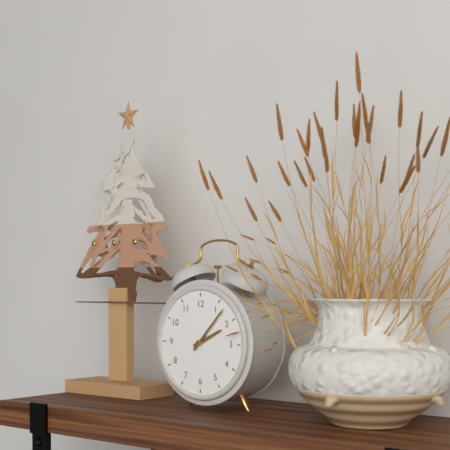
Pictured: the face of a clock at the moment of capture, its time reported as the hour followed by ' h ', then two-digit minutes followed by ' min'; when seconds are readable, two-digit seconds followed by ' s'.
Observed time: 2 h 07 min
